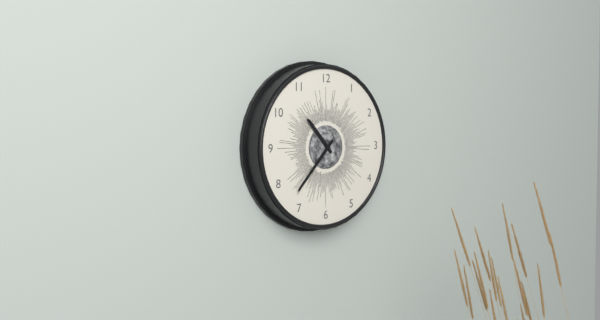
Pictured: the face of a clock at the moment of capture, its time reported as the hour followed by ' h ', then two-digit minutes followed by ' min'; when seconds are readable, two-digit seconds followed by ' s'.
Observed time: 10 h 37 min
